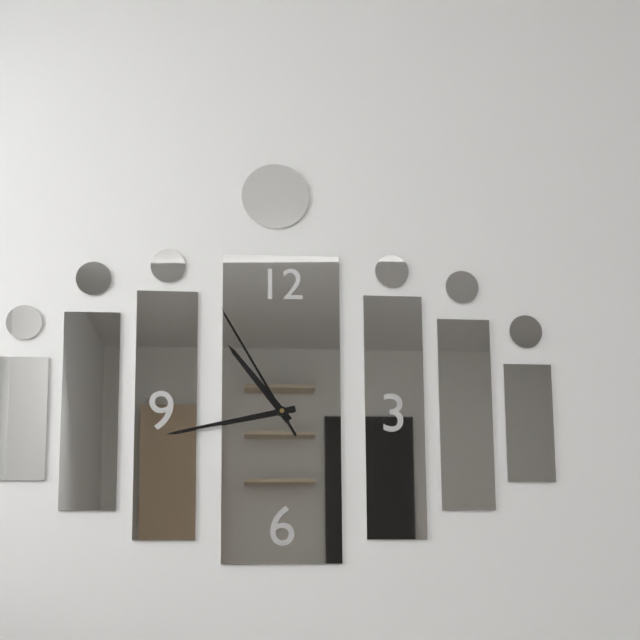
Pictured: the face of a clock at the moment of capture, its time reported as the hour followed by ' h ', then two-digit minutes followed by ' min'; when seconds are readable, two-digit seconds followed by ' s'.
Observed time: 10 h 43 min 55 s
